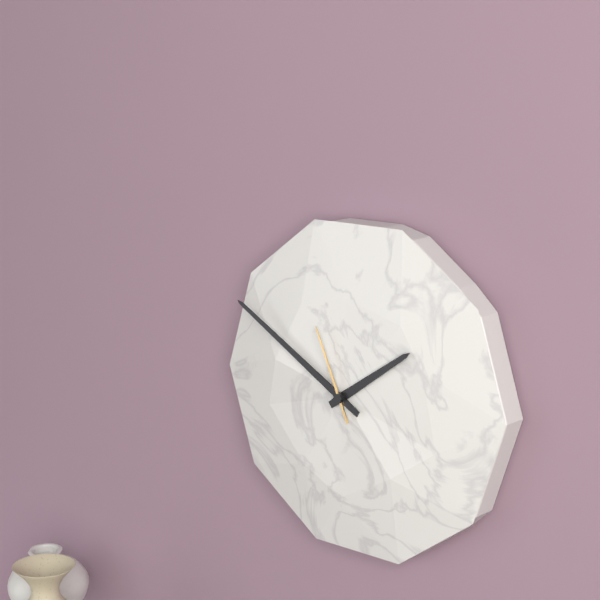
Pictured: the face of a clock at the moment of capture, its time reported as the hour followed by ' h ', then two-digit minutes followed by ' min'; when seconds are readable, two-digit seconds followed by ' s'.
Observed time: 1 h 50 min 56 s
